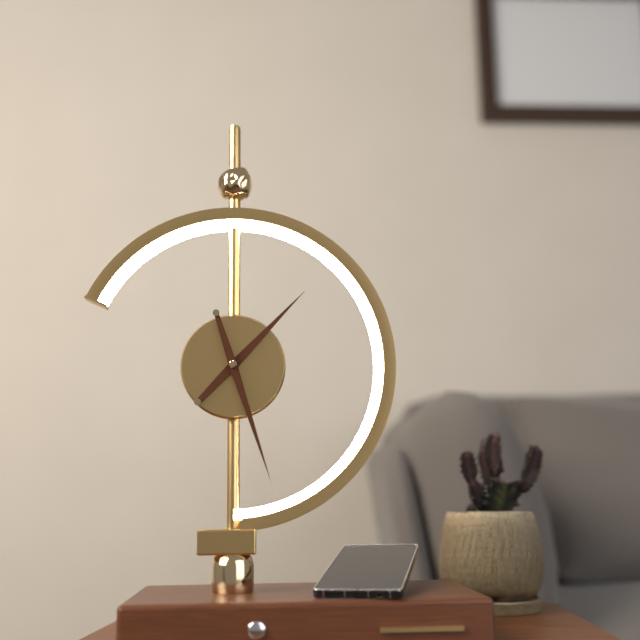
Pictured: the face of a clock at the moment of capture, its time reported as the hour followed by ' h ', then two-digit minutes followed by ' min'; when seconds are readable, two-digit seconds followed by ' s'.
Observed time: 1 h 27 min
